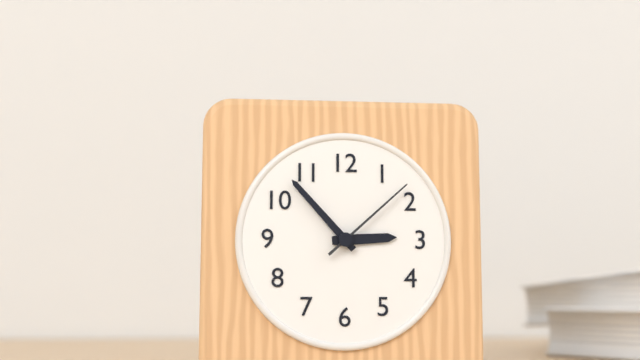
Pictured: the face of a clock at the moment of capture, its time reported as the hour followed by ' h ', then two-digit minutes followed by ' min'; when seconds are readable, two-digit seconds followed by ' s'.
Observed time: 2 h 53 min 08 s
